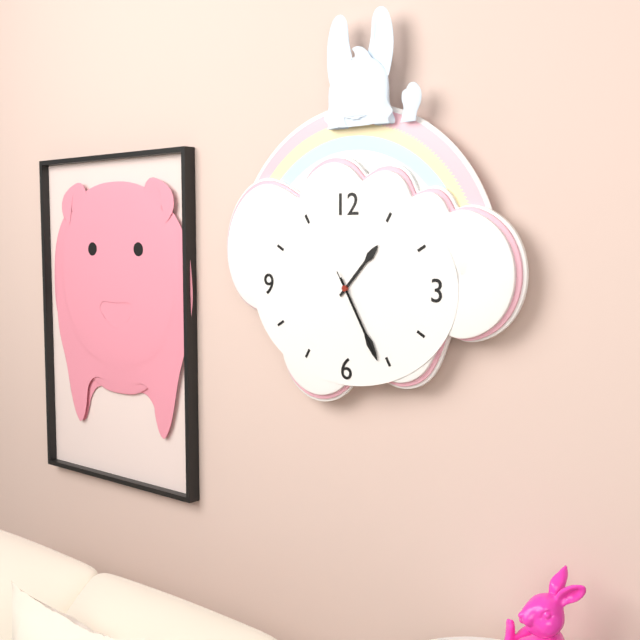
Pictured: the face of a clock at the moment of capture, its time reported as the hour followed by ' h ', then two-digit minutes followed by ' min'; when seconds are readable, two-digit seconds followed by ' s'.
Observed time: 1 h 25 min 25 s
